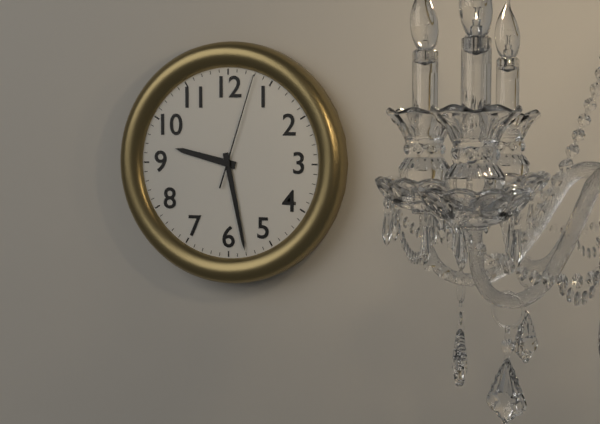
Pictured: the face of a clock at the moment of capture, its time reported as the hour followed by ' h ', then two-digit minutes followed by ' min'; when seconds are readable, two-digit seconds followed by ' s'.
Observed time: 9 h 28 min 03 s
